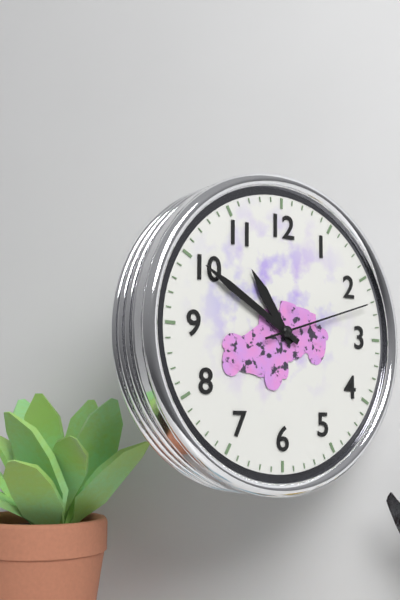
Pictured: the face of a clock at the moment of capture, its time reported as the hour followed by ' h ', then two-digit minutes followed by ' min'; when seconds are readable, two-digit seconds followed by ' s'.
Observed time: 10 h 50 min 12 s
